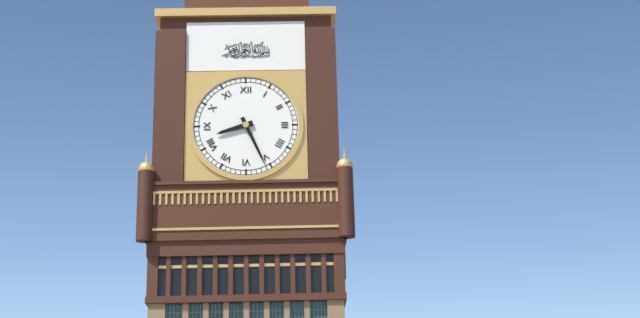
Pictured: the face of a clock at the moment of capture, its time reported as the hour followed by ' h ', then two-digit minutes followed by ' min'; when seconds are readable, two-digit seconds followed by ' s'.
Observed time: 8 h 26 min
